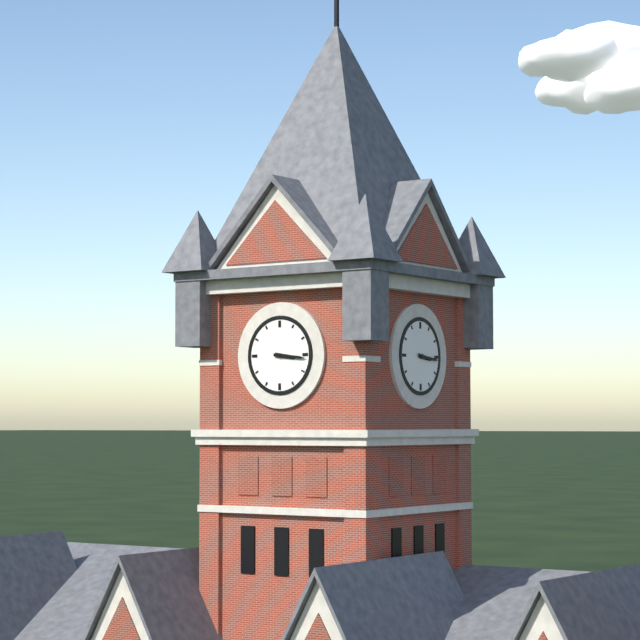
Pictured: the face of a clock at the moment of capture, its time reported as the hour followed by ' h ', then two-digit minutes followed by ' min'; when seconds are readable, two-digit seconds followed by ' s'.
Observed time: 3 h 16 min
